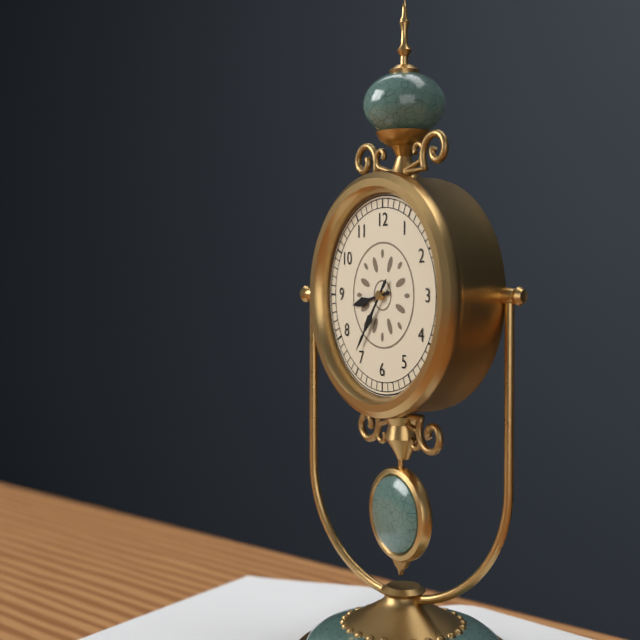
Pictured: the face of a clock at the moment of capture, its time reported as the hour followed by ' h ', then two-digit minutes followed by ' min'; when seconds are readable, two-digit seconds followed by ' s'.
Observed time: 8 h 36 min
